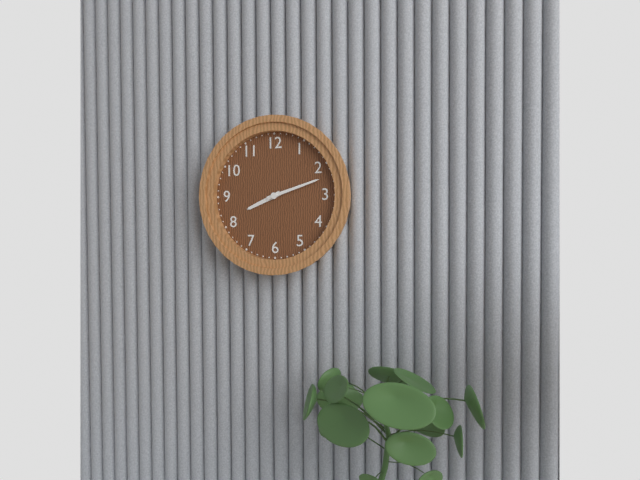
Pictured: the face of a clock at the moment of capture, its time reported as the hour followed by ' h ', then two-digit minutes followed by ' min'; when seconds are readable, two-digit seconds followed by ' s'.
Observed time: 8 h 12 min
